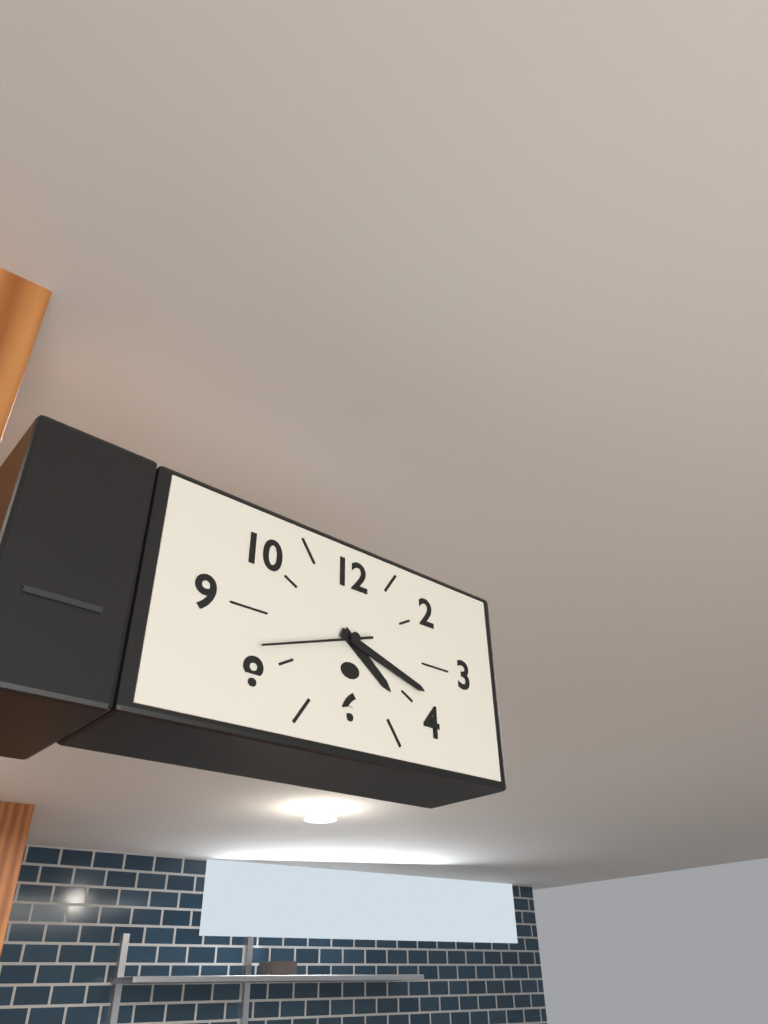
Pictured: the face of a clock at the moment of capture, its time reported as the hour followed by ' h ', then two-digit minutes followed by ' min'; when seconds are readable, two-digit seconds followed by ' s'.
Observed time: 4 h 18 min 42 s
